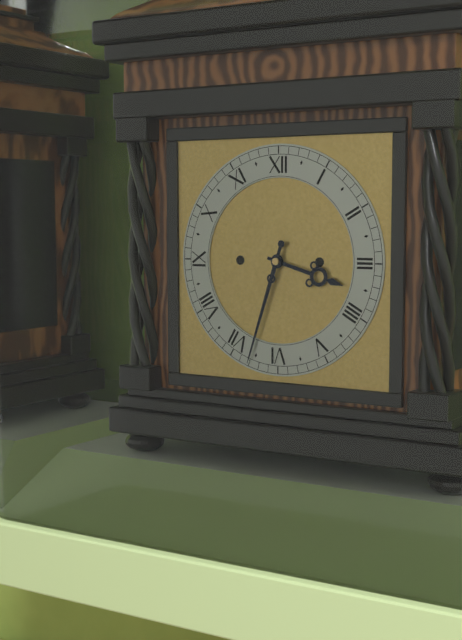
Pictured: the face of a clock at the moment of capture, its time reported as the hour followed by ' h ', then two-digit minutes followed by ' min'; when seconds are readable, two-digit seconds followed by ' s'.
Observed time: 3 h 33 min
